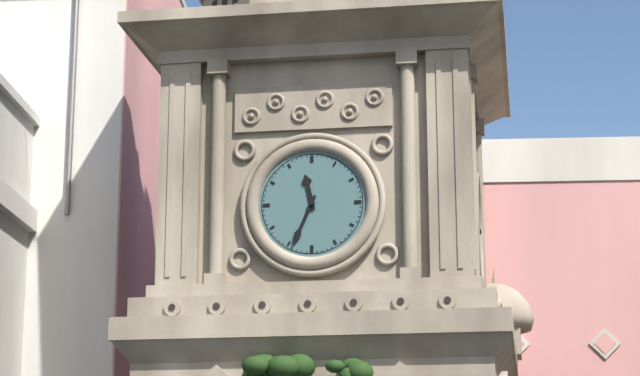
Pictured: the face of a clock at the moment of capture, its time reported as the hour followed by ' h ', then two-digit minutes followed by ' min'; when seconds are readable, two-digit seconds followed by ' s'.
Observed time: 11 h 34 min
